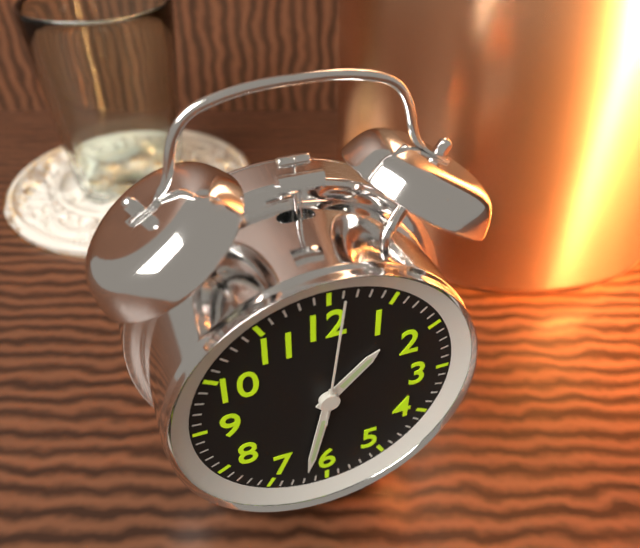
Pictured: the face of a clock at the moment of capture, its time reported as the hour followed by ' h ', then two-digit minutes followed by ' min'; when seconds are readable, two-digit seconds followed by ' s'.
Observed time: 1 h 32 min 01 s
